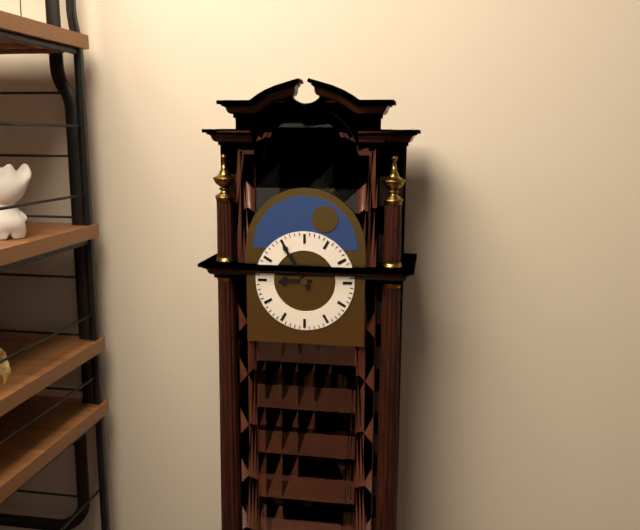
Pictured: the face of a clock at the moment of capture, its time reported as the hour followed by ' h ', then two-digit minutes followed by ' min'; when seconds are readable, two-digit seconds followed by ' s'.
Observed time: 8 h 55 min
